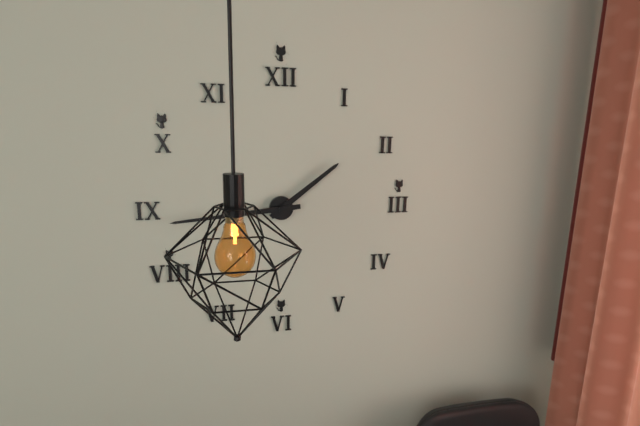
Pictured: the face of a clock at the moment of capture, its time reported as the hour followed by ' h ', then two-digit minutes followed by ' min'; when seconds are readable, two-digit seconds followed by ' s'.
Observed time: 1 h 44 min
